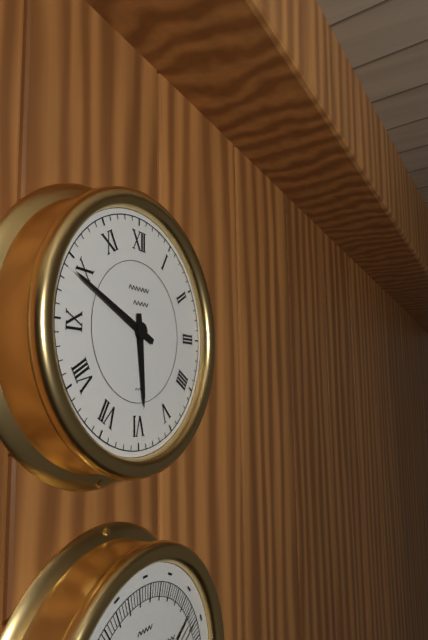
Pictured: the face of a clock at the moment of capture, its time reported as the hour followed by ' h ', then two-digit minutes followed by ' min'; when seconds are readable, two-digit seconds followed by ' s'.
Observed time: 5 h 49 min
